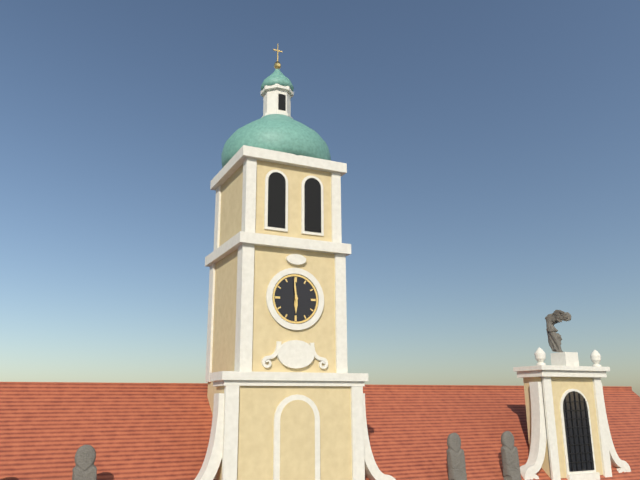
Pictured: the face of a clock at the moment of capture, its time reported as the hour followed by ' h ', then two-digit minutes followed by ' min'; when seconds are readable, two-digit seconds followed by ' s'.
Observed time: 5 h 59 min
